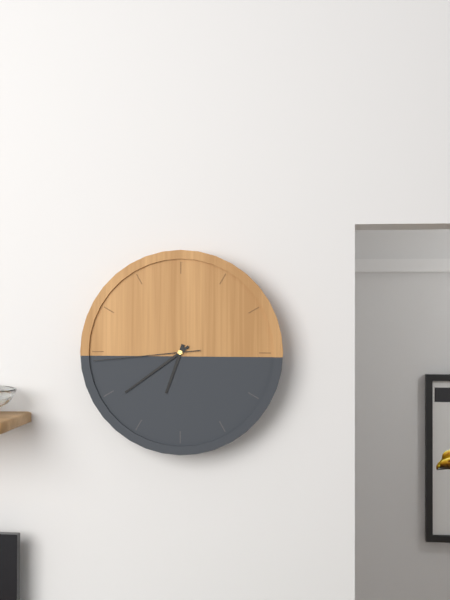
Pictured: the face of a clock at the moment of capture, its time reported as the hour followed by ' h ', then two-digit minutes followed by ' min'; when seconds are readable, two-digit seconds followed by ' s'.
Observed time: 6 h 39 min 44 s
